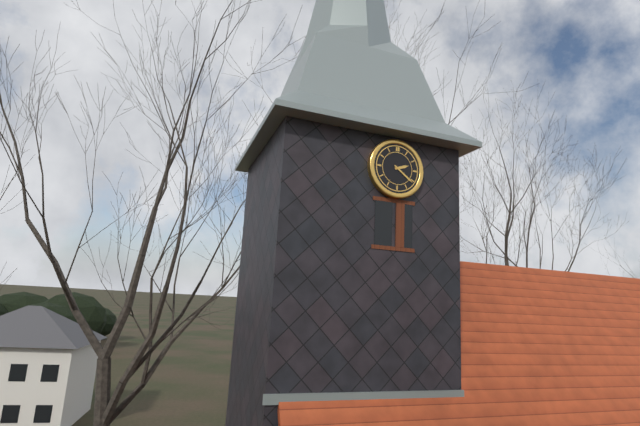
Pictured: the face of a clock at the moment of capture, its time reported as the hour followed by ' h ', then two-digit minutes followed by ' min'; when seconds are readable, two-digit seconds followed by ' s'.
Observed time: 2 h 21 min
